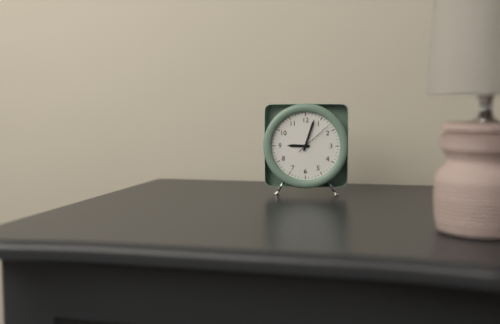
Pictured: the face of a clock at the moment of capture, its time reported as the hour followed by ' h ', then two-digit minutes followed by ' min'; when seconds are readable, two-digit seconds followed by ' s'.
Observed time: 9 h 03 min
